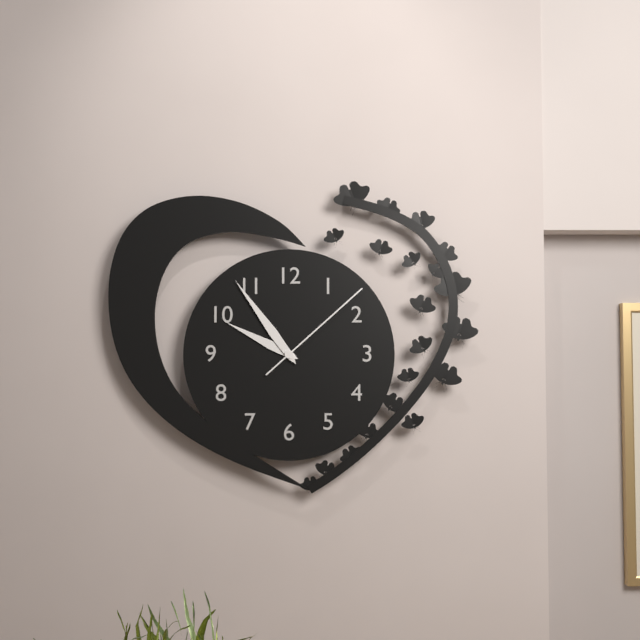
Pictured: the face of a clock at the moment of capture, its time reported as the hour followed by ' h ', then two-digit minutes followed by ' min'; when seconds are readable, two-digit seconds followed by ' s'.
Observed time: 9 h 54 min 08 s
